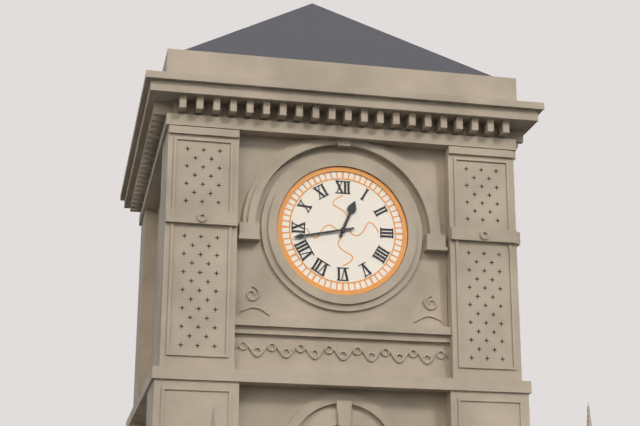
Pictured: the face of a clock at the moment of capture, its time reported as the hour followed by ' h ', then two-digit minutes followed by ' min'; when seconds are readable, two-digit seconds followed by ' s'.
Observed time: 12 h 43 min
